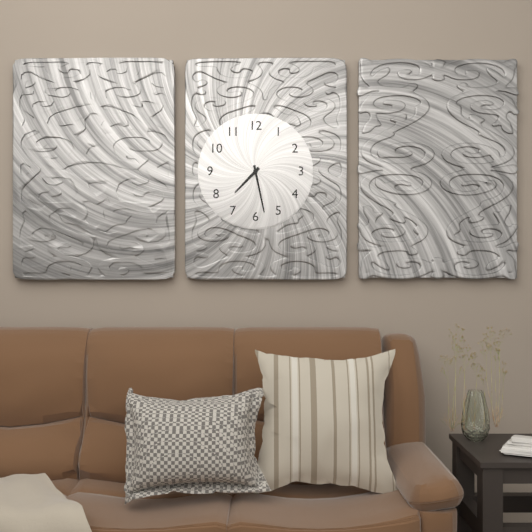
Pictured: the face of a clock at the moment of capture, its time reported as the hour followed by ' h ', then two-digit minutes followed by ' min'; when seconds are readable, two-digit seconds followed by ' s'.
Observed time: 7 h 28 min
